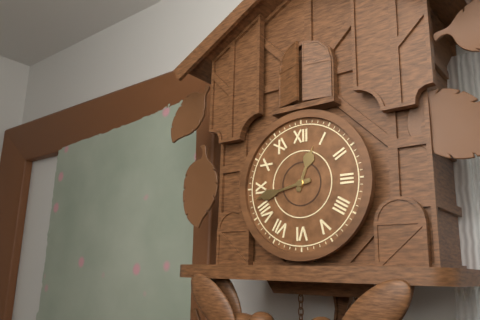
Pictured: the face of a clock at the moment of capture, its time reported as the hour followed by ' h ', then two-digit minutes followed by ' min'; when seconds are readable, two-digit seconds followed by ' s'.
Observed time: 12 h 43 min
